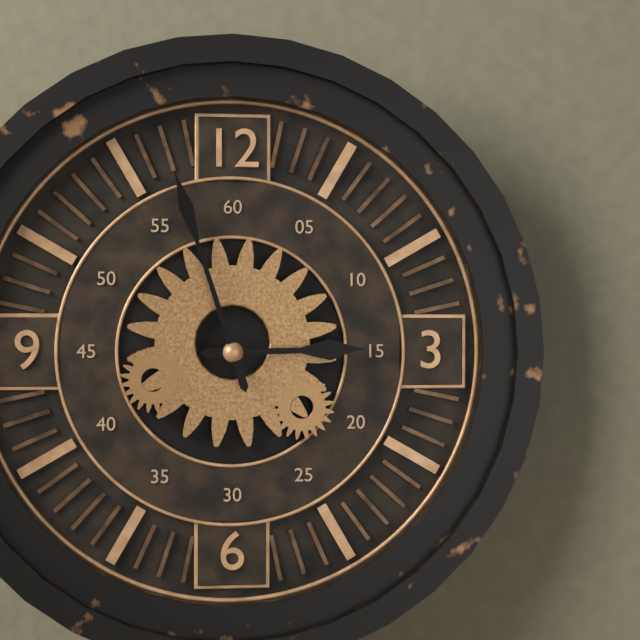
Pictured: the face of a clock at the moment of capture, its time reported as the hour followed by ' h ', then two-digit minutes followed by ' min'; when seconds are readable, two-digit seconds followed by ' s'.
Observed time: 2 h 57 min
